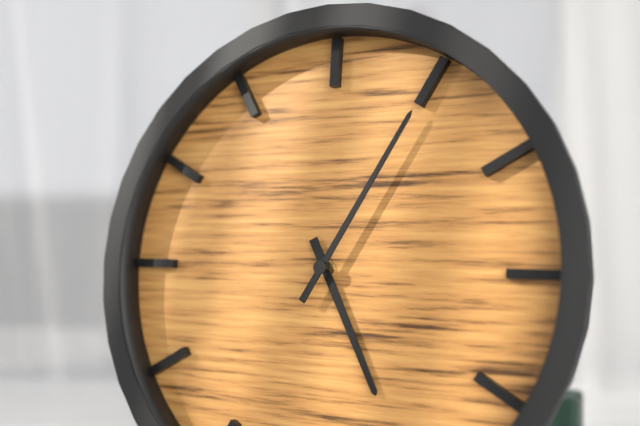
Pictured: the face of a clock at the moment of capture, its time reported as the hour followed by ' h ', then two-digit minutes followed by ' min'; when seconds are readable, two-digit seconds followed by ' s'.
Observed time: 5 h 05 min
